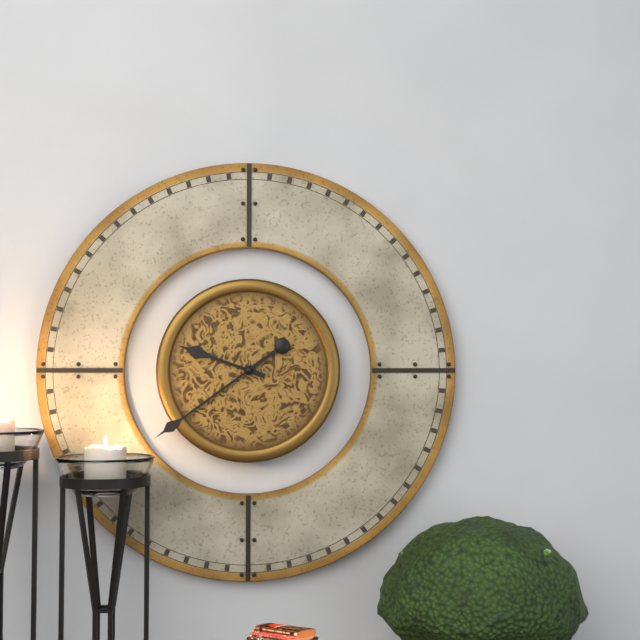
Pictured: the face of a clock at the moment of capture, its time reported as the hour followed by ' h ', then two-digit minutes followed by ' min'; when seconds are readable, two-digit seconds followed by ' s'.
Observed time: 9 h 39 min
